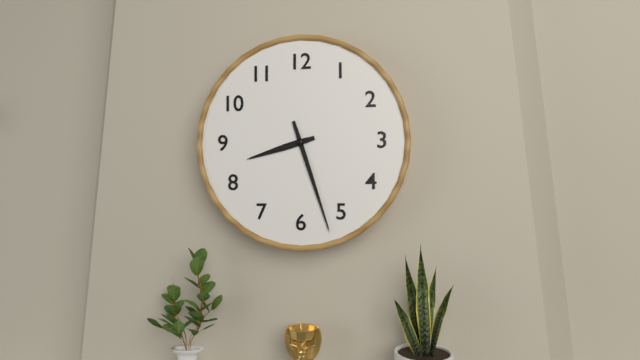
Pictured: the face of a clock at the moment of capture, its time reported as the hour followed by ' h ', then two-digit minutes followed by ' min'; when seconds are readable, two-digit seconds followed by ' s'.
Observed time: 8 h 27 min
